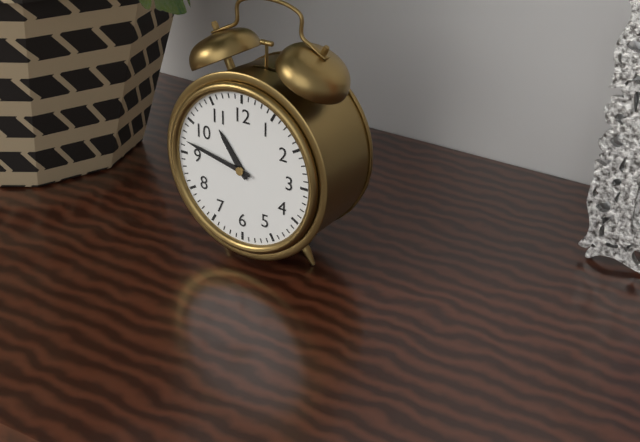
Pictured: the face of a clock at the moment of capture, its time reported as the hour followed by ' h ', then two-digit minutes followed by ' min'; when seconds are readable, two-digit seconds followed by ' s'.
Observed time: 10 h 47 min
